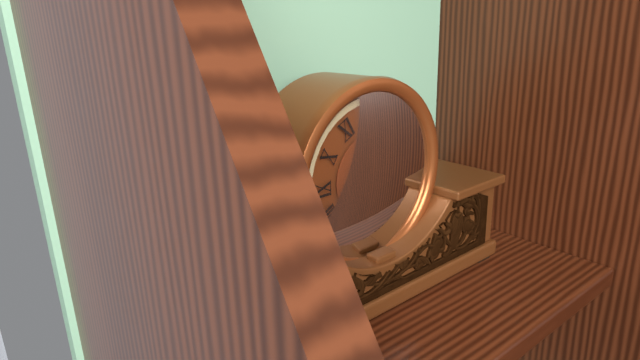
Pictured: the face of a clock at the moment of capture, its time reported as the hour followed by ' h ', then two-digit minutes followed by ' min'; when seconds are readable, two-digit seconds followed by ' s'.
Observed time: 5 h 33 min
